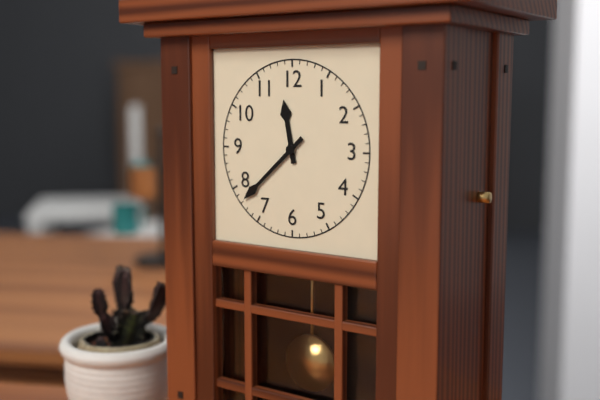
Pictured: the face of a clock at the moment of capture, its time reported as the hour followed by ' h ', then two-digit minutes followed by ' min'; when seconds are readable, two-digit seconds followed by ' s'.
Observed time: 11 h 38 min
